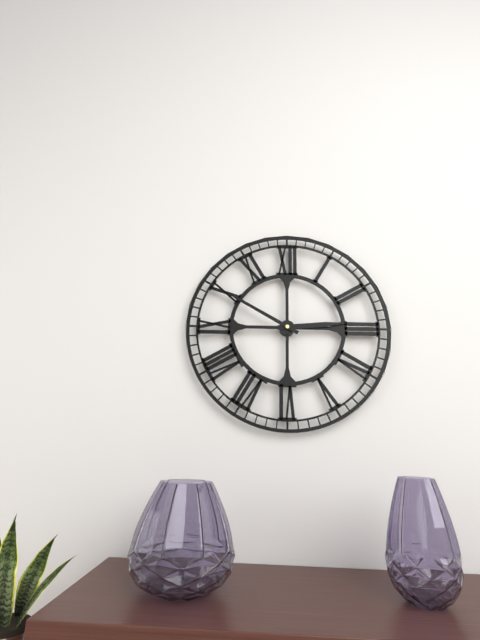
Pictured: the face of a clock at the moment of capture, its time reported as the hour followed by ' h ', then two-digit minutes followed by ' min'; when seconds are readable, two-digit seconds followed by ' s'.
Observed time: 2 h 50 min
